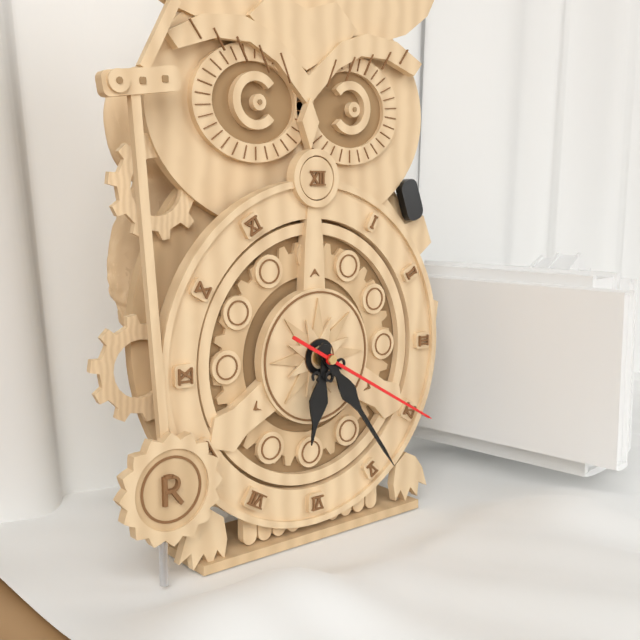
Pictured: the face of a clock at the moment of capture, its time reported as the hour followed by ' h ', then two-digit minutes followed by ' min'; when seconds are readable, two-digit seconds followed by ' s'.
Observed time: 6 h 24 min 20 s
